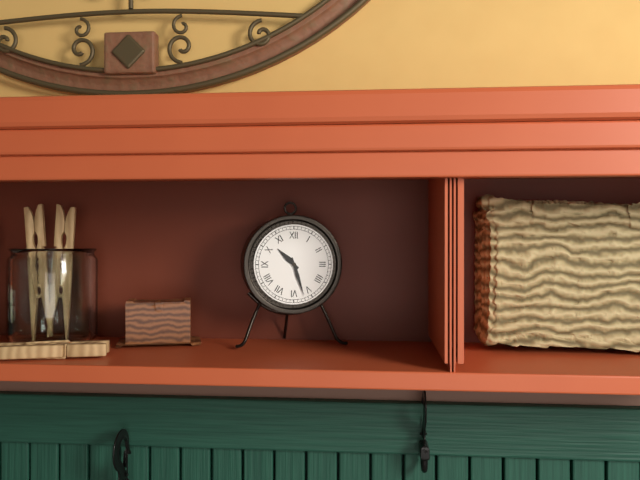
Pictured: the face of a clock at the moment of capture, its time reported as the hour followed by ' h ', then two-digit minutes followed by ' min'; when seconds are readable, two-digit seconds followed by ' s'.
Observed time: 10 h 27 min
